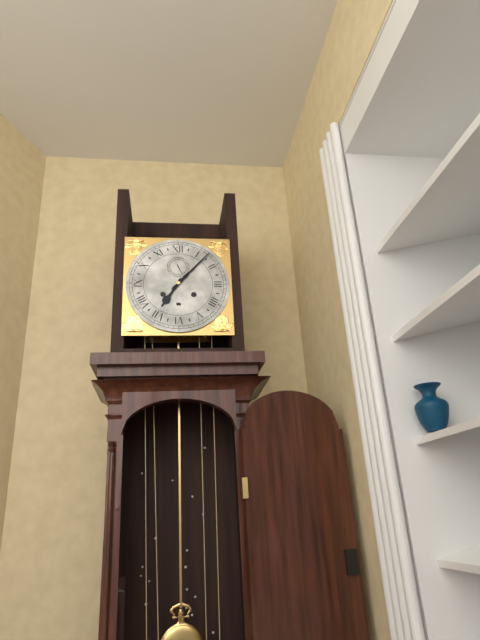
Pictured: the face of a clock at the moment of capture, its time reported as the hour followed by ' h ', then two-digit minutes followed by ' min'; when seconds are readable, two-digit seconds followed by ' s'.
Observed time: 7 h 07 min
